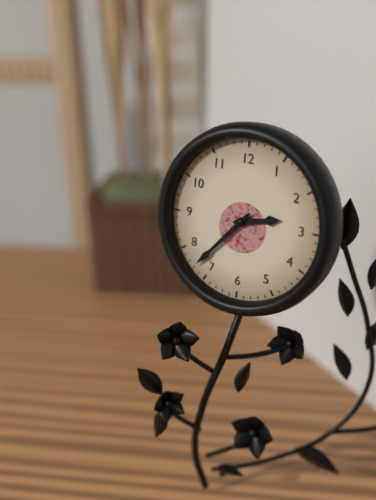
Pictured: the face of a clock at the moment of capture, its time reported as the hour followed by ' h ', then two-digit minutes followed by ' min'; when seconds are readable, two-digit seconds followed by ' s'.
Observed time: 2 h 37 min
